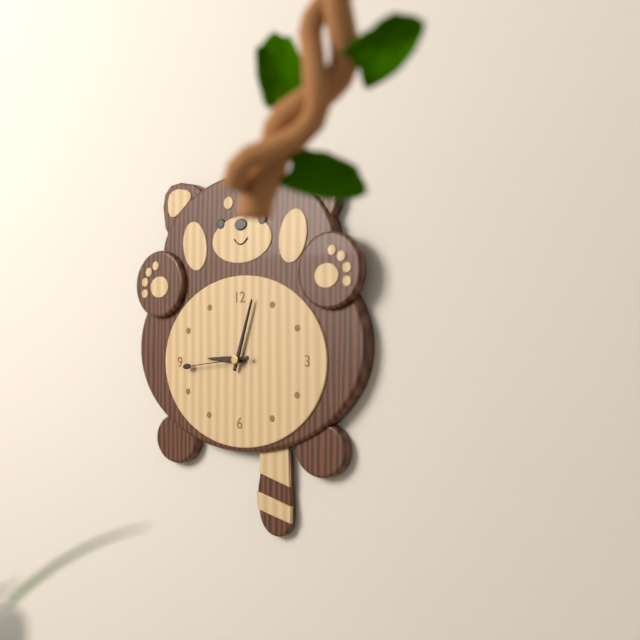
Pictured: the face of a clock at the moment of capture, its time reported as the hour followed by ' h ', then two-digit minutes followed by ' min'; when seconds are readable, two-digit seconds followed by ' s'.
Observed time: 9 h 03 min 44 s
